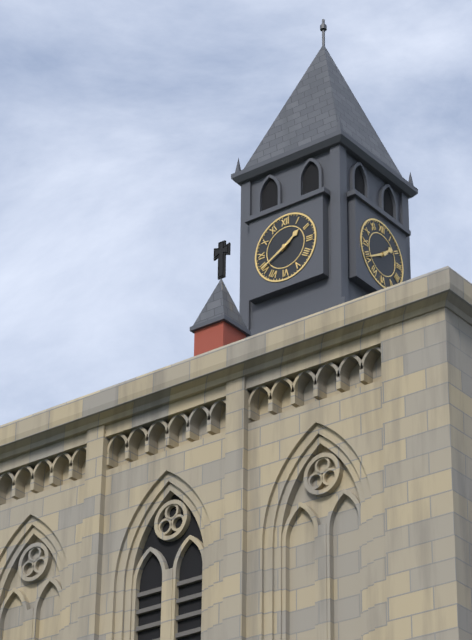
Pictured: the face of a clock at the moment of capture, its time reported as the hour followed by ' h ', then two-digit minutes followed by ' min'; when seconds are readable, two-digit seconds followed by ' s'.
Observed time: 1 h 40 min
